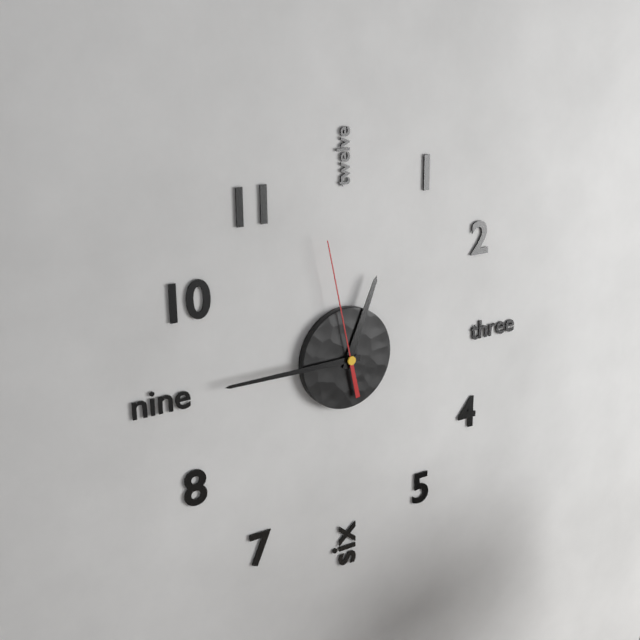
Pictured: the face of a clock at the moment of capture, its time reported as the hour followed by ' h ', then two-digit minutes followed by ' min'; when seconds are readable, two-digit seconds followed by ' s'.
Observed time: 12 h 45 min 58 s
